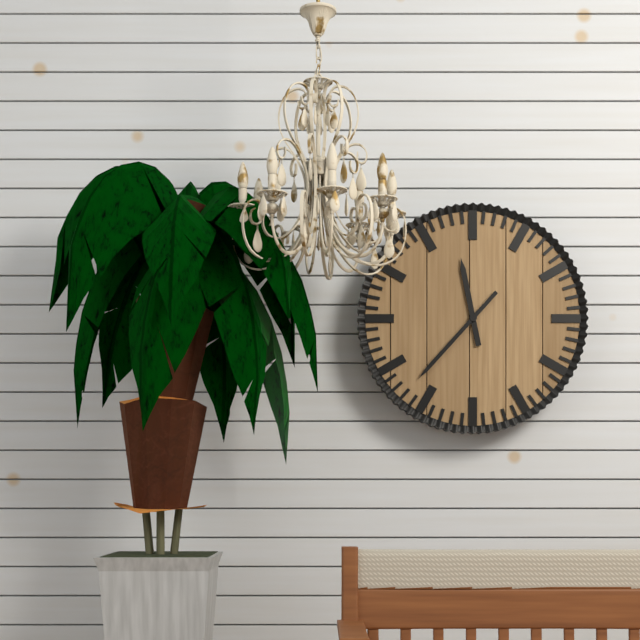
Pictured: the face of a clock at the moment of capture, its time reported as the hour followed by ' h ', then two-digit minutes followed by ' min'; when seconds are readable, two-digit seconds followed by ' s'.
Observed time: 11 h 37 min
